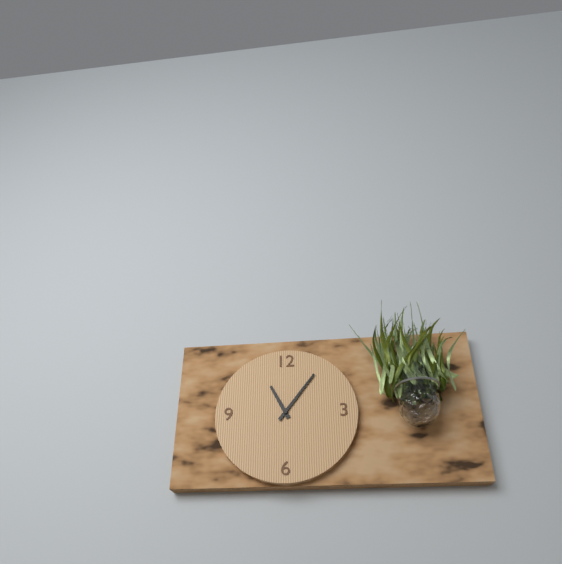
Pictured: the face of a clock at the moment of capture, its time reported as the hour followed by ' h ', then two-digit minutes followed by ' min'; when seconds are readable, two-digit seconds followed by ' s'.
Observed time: 11 h 06 min
